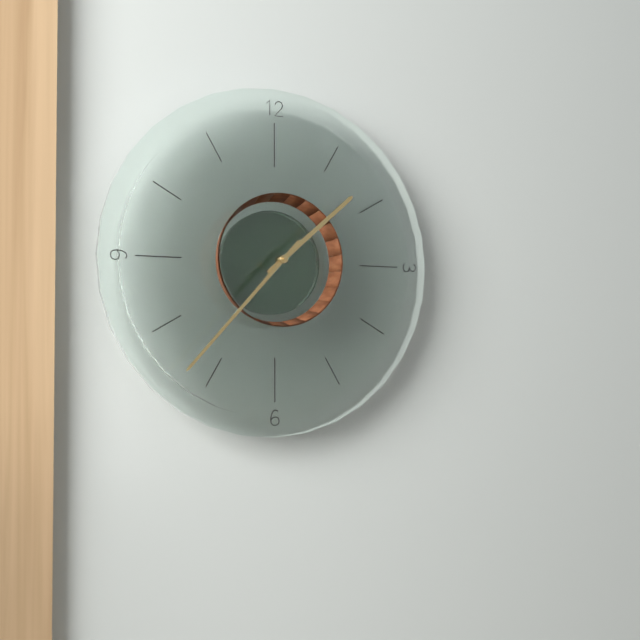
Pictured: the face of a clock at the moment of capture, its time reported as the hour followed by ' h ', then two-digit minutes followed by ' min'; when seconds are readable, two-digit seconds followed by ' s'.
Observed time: 1 h 37 min
